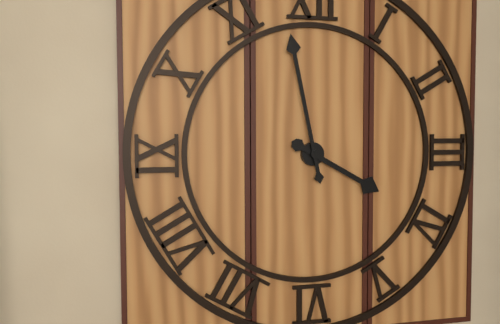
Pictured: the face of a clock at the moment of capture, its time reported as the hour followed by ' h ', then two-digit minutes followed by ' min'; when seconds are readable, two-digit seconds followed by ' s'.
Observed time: 3 h 58 min
